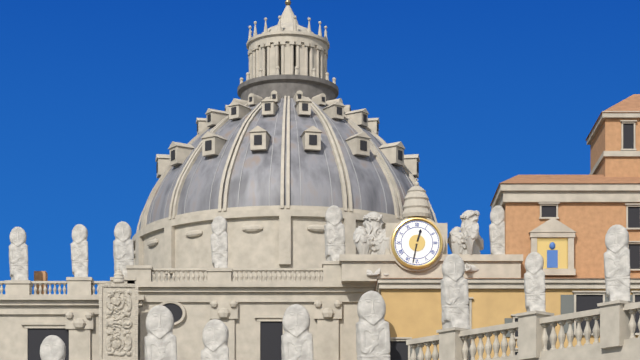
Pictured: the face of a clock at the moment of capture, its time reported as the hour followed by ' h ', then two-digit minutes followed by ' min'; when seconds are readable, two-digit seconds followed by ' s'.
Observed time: 12 h 32 min
